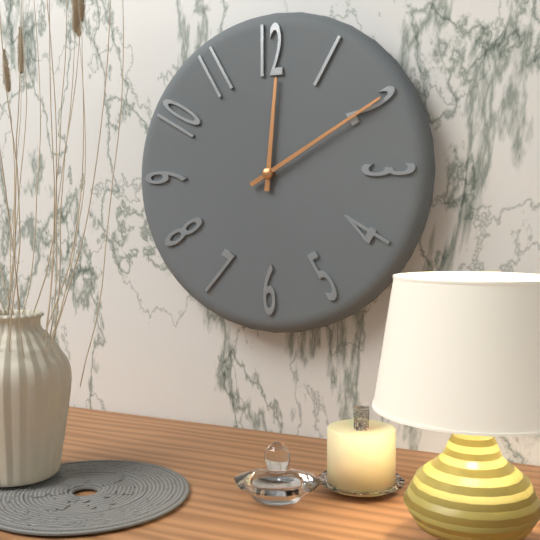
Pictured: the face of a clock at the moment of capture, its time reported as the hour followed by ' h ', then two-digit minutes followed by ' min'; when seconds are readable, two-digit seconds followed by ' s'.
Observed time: 12 h 10 min
